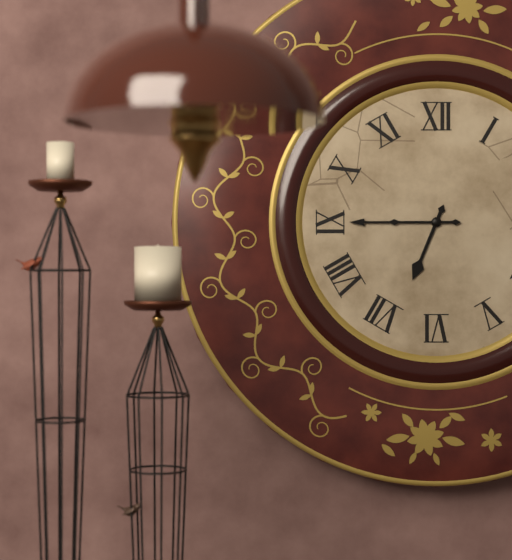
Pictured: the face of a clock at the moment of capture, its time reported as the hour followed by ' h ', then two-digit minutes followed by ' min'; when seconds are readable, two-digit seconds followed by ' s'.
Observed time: 6 h 45 min
